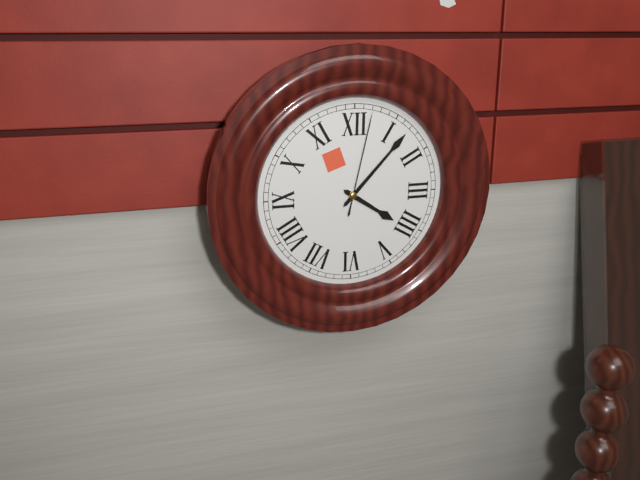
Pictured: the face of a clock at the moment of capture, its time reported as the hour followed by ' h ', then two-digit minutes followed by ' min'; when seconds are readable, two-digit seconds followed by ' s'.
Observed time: 4 h 07 min 02 s
